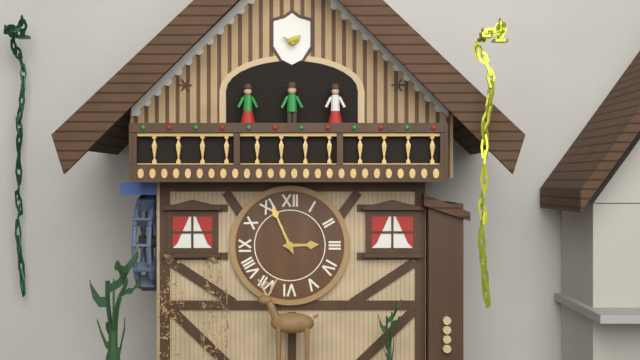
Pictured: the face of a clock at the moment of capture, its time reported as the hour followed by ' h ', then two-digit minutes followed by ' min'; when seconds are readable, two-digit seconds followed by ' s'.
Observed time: 2 h 56 min
